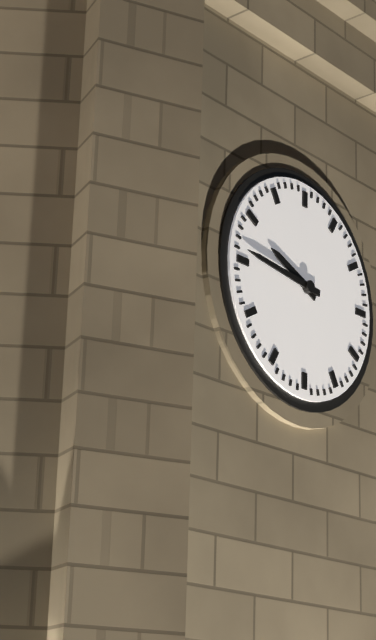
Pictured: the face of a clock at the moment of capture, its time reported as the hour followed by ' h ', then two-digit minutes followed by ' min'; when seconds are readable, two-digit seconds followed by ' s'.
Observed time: 9 h 46 min
